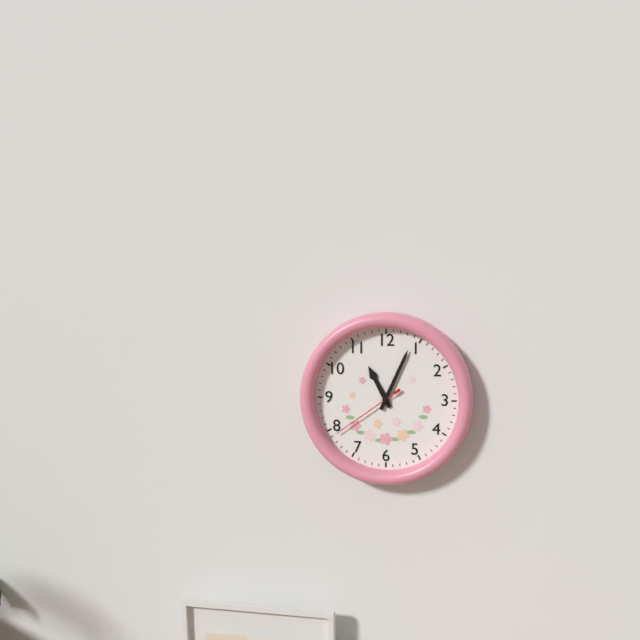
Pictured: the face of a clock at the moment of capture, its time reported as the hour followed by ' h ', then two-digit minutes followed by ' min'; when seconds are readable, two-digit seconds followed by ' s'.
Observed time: 11 h 04 min 39 s
